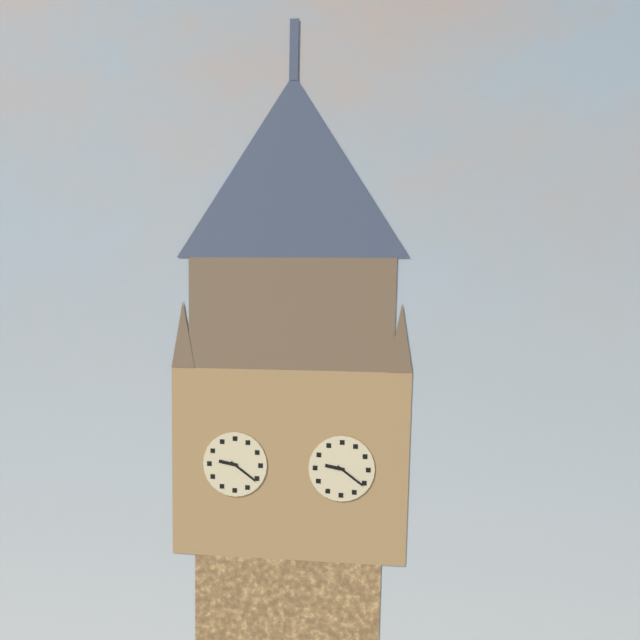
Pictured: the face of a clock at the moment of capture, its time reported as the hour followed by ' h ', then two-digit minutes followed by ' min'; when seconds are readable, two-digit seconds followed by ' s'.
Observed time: 9 h 21 min
